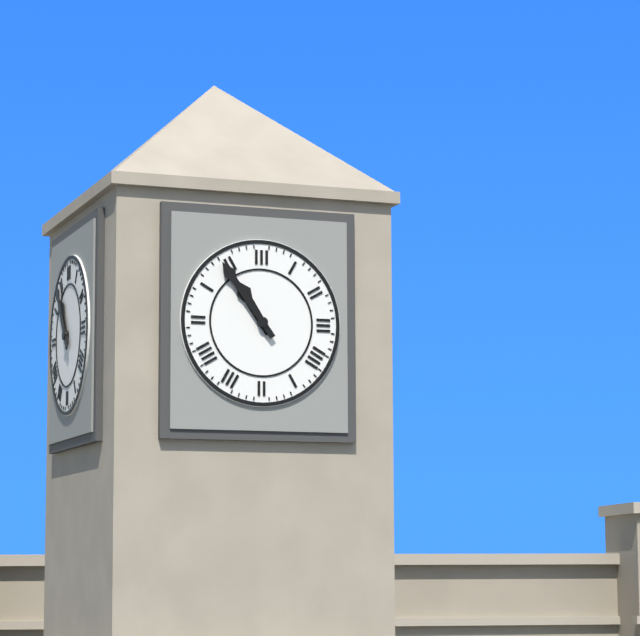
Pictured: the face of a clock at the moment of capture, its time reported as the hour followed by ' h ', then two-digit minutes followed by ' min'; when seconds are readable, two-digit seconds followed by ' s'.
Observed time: 10 h 54 min
